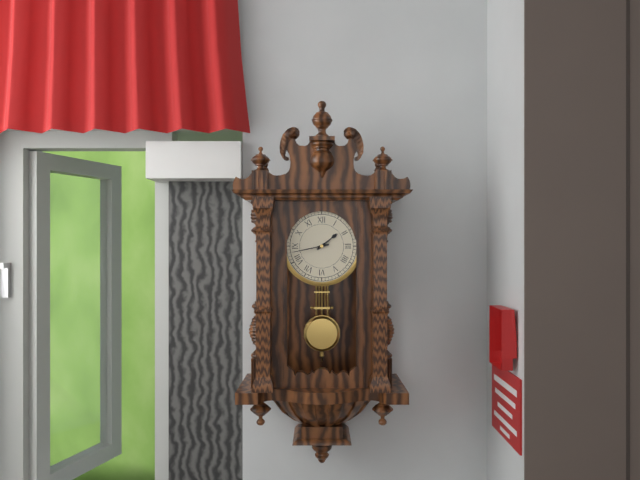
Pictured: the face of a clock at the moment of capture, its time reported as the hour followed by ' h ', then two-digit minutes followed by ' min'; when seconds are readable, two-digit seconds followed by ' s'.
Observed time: 1 h 43 min
